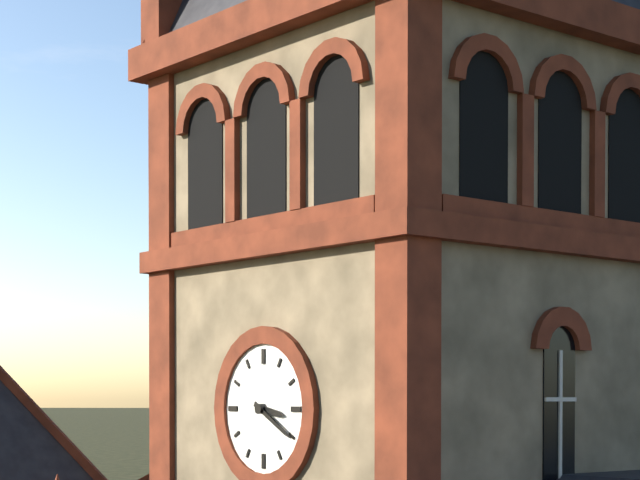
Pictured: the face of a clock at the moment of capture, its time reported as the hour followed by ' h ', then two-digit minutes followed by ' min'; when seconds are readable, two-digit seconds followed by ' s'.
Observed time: 3 h 20 min
